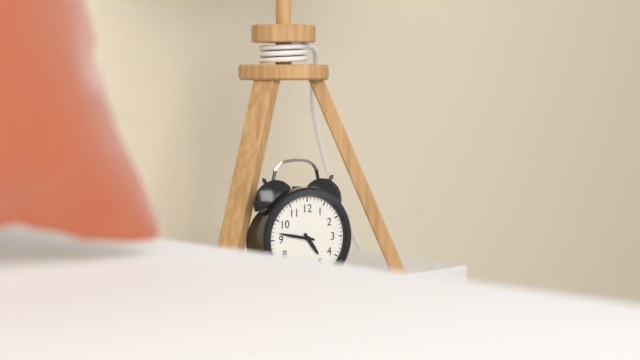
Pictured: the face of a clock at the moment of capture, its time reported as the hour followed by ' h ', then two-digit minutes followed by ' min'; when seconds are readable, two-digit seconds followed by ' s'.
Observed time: 4 h 47 min
